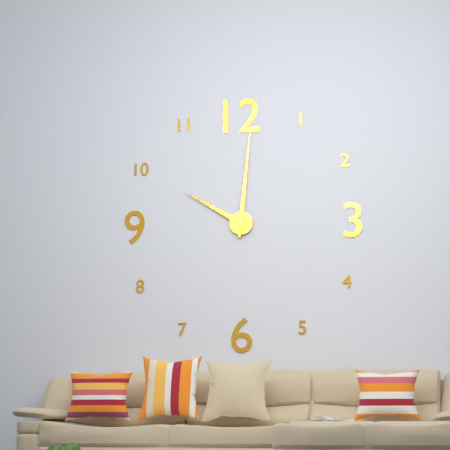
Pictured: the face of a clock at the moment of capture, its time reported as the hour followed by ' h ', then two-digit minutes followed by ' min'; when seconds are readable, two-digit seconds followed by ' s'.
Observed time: 10 h 01 min
